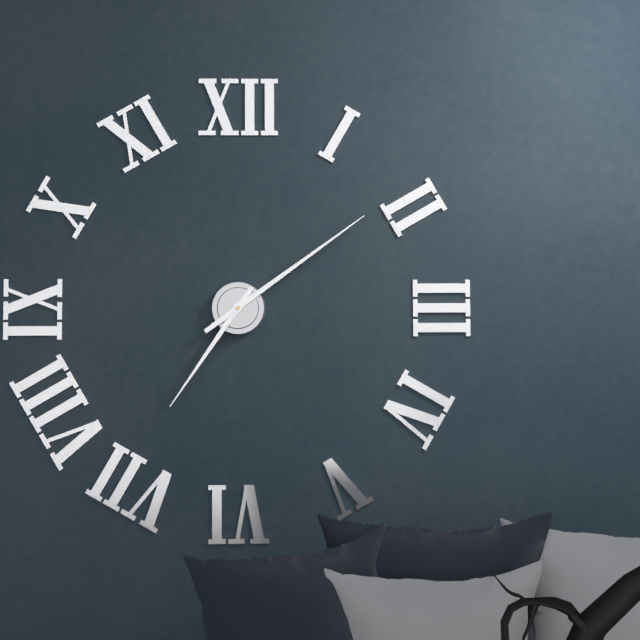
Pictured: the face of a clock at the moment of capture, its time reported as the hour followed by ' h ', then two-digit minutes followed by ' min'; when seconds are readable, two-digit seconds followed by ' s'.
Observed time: 7 h 09 min
